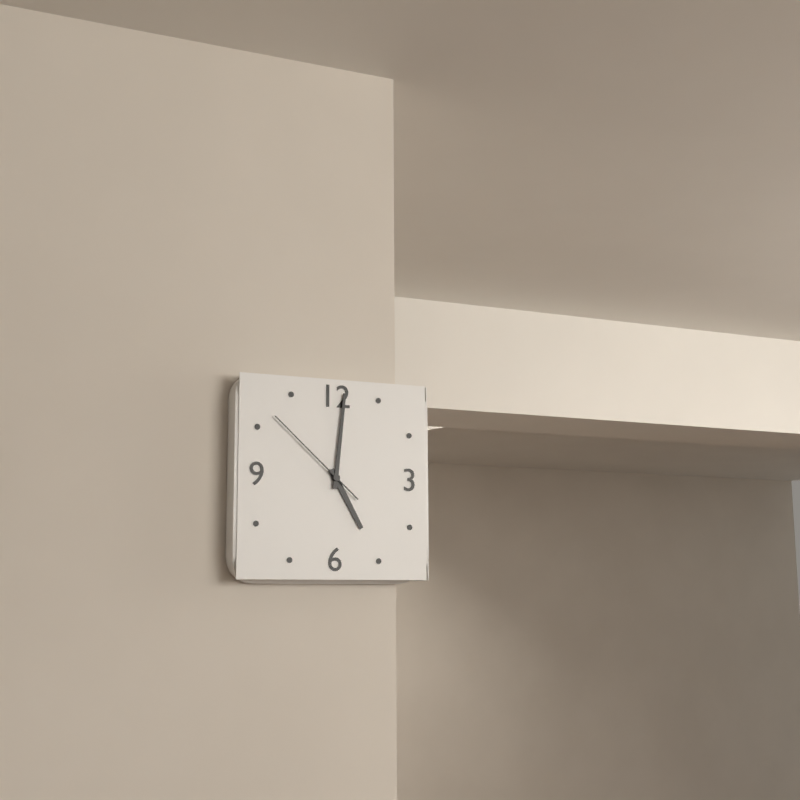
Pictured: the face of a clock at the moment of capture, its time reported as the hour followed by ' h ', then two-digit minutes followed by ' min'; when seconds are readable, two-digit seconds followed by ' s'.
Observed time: 5 h 01 min 52 s
